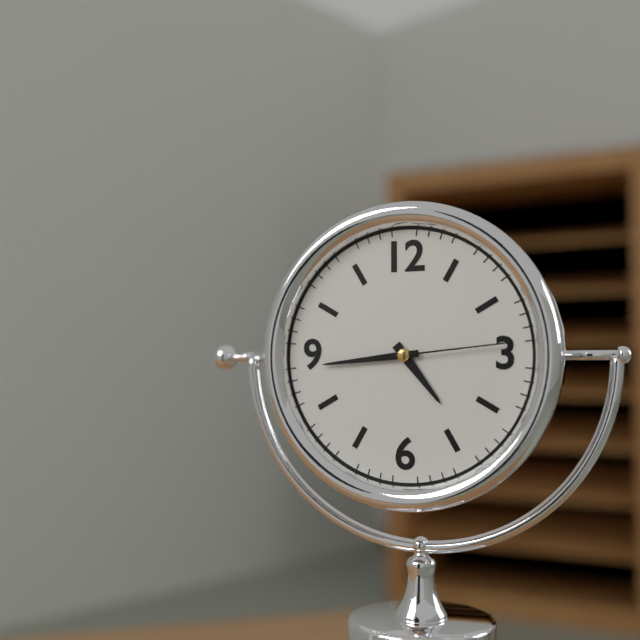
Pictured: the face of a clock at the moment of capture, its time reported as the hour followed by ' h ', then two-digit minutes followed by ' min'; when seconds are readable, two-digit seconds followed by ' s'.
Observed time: 4 h 44 min 14 s
